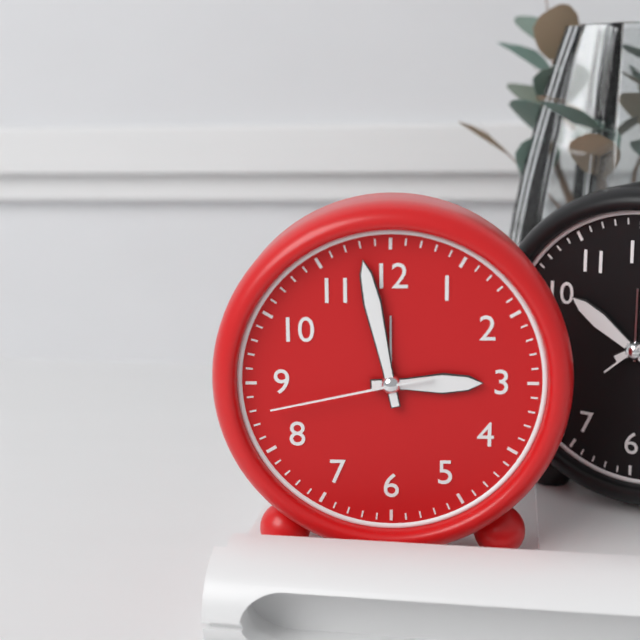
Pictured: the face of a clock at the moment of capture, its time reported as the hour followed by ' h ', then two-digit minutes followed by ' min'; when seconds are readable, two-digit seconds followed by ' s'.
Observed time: 2 h 58 min 43 s
